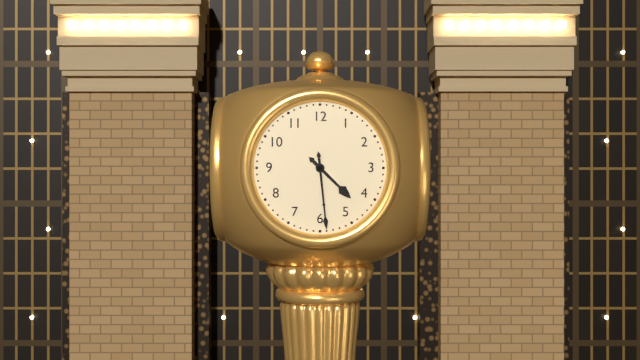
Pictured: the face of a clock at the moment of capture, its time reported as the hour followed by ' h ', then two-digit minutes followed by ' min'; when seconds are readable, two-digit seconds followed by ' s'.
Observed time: 4 h 29 min
